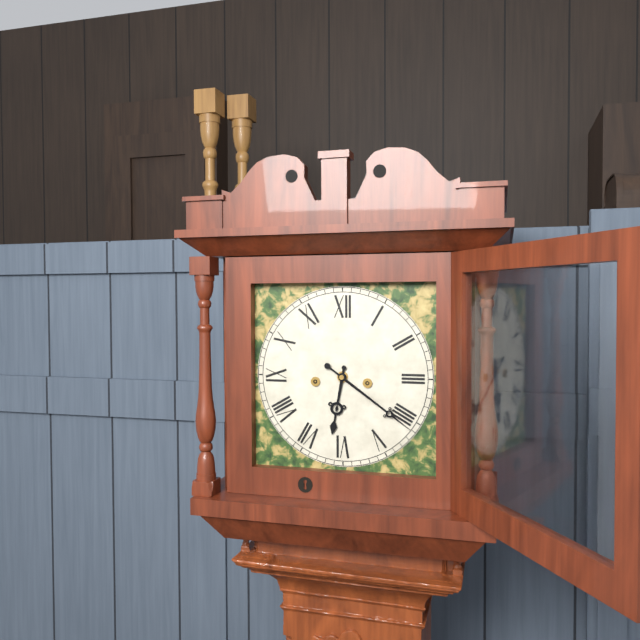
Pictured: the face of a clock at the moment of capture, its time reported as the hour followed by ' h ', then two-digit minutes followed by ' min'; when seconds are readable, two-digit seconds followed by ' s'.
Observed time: 6 h 21 min
